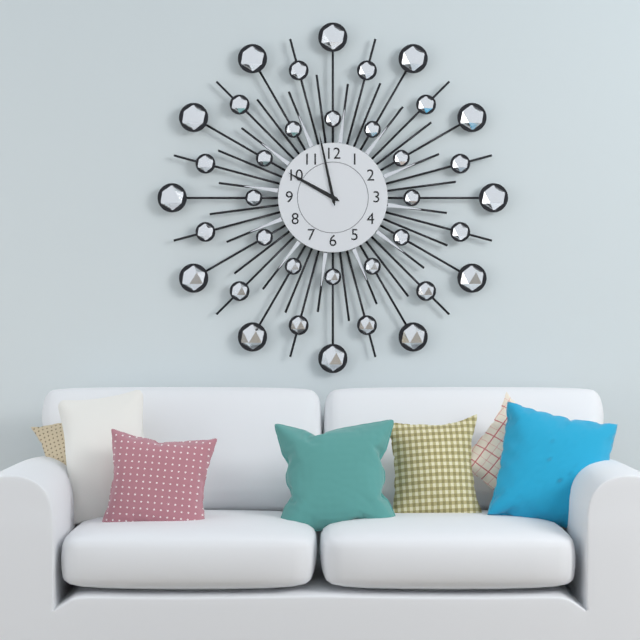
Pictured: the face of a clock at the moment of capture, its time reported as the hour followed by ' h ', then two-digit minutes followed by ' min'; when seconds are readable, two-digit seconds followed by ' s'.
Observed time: 9 h 58 min
